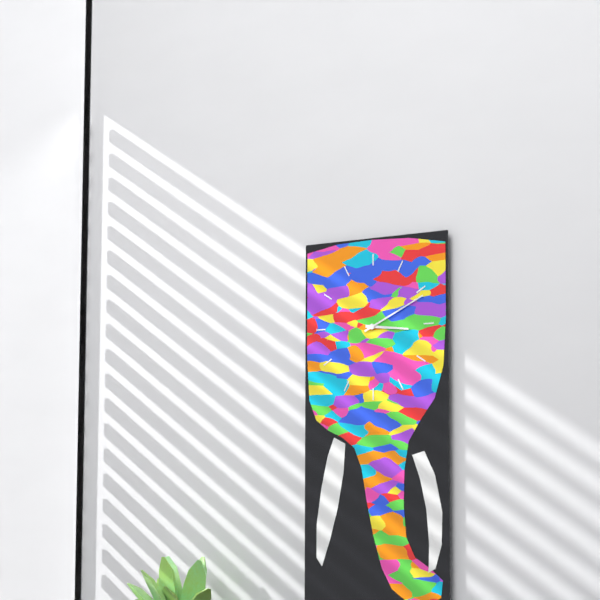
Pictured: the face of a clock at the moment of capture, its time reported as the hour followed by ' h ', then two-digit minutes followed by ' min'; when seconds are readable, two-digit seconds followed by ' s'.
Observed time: 3 h 11 min
